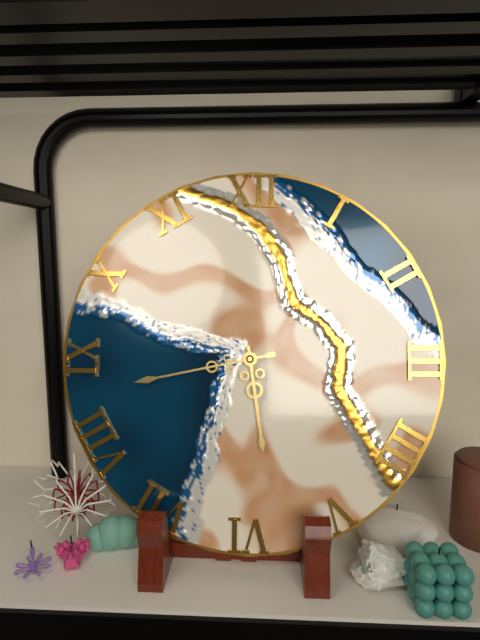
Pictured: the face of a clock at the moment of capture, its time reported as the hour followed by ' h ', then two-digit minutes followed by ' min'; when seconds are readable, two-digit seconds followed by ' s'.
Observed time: 5 h 43 min
